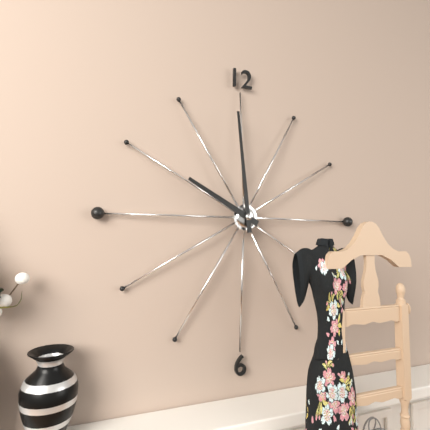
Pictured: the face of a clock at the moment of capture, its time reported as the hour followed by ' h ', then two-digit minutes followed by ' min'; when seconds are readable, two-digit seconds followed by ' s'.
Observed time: 9 h 59 min
